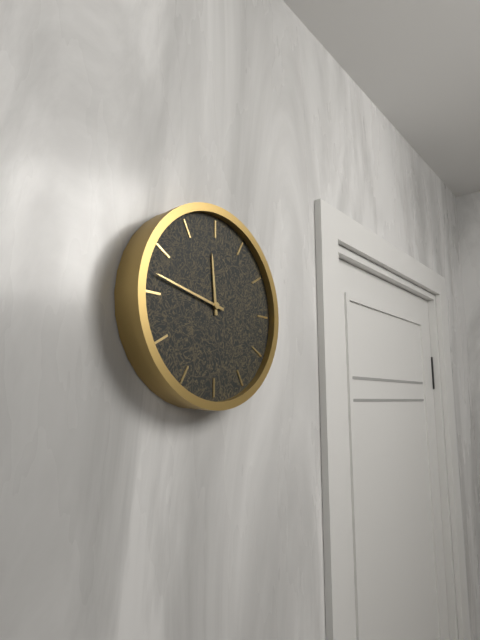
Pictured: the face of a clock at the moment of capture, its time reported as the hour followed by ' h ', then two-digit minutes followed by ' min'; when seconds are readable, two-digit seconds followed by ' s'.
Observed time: 11 h 47 min
